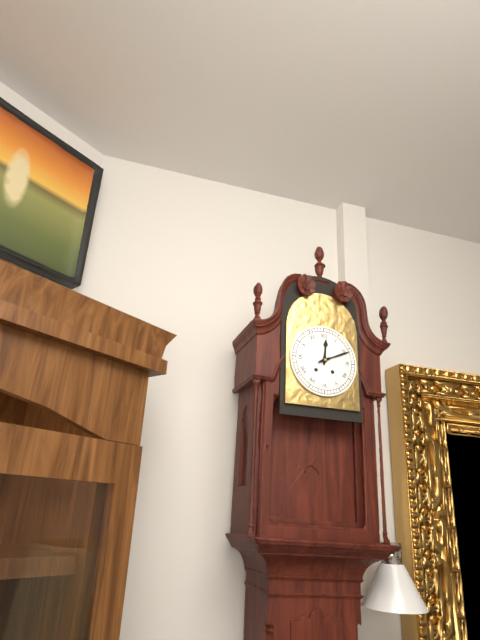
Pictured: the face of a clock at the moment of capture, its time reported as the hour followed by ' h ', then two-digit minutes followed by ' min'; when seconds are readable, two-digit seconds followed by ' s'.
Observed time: 12 h 11 min
